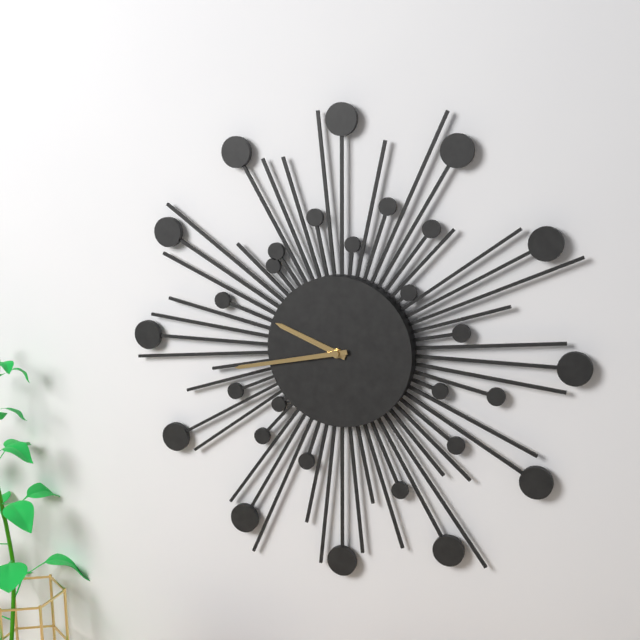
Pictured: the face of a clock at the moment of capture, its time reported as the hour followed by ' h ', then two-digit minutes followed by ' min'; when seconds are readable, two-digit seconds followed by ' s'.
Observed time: 9 h 43 min
